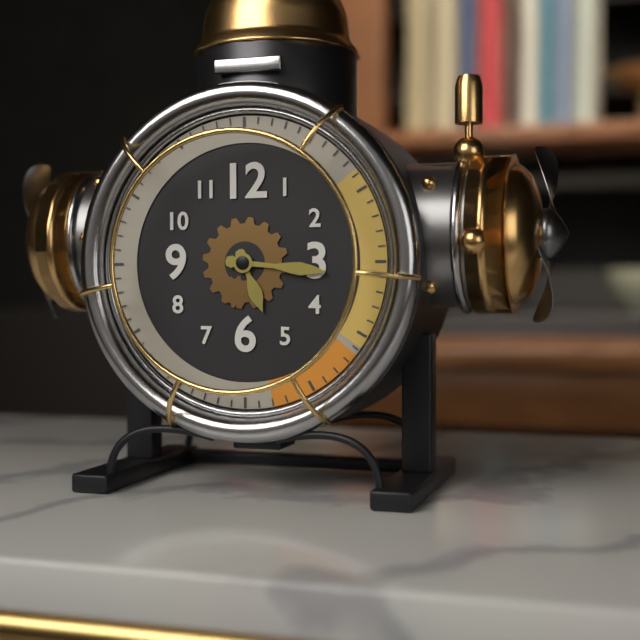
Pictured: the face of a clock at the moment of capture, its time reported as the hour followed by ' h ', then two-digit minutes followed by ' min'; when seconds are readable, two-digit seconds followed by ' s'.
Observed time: 5 h 16 min
